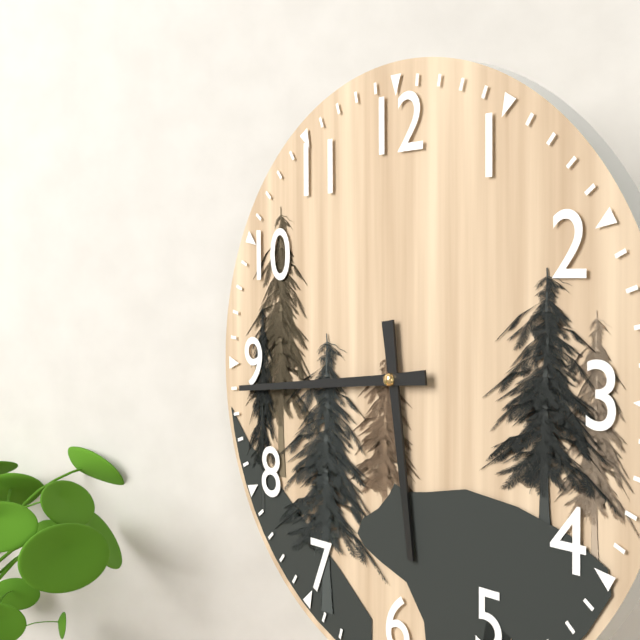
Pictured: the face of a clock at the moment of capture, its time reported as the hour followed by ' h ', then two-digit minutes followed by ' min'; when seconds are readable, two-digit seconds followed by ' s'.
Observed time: 5 h 44 min
